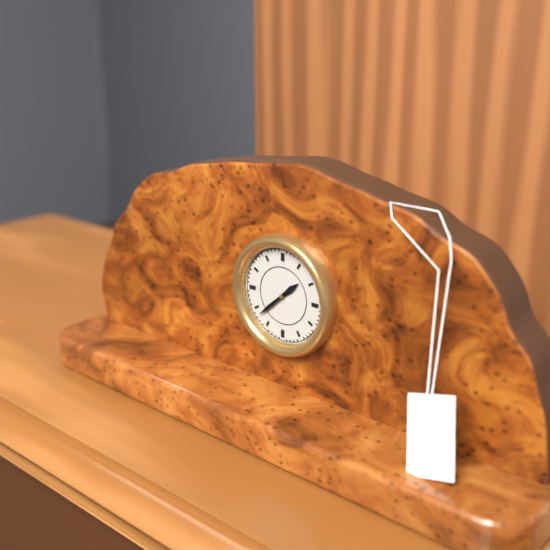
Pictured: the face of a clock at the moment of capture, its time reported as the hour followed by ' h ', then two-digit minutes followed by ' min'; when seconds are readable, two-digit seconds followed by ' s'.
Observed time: 1 h 38 min
